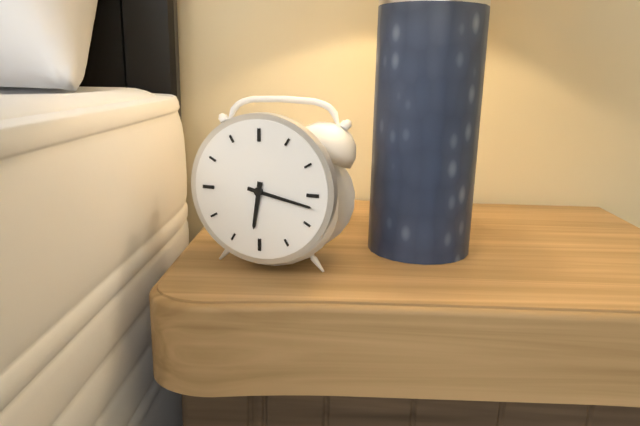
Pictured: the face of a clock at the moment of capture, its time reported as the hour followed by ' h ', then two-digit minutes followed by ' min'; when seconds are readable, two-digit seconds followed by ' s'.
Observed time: 6 h 17 min
